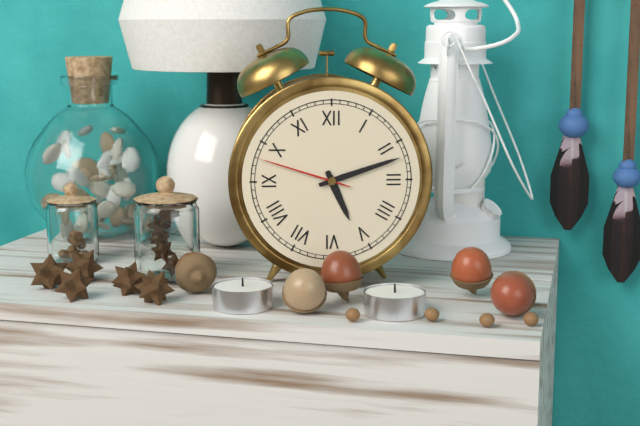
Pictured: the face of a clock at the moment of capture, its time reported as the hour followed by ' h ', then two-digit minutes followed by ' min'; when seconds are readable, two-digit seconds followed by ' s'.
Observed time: 5 h 12 min 48 s
